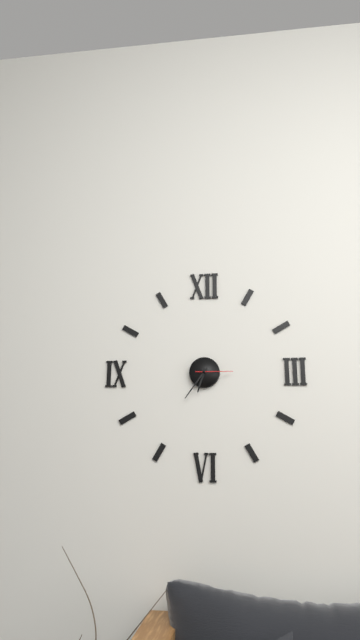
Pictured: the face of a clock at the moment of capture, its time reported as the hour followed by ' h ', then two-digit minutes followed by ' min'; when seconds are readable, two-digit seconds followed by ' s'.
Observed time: 6 h 36 min
